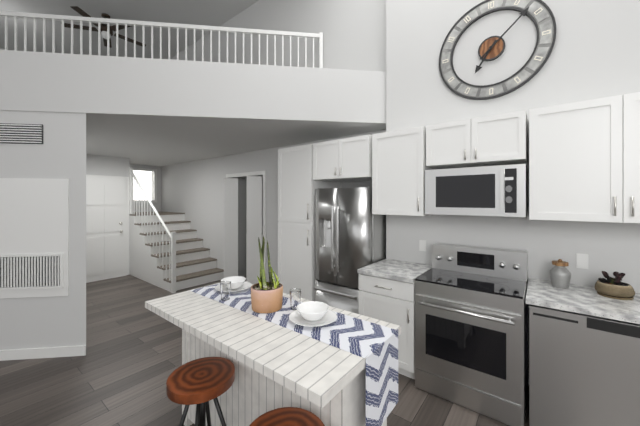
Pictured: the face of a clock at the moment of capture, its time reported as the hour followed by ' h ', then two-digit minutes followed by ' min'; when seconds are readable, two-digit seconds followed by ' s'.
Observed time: 7 h 08 min
